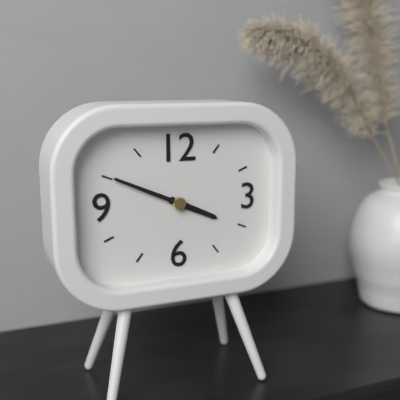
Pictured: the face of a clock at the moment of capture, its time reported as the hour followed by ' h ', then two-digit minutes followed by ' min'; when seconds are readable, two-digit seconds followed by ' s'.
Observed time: 3 h 49 min
